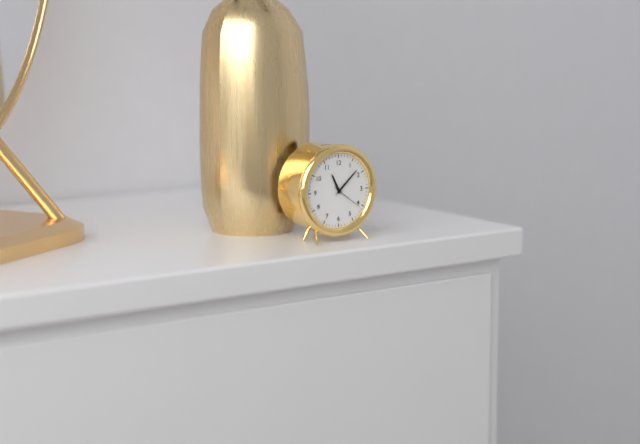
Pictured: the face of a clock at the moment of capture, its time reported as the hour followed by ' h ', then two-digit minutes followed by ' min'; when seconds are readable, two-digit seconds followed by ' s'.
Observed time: 11 h 08 min
